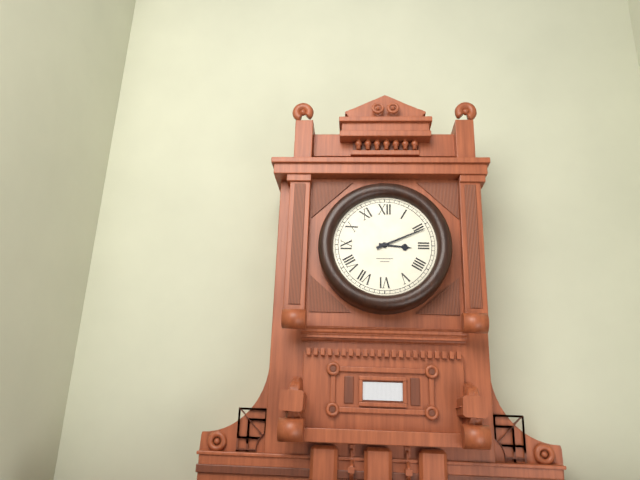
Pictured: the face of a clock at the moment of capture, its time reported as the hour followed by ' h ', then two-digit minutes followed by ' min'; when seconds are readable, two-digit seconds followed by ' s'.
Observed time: 3 h 11 min
